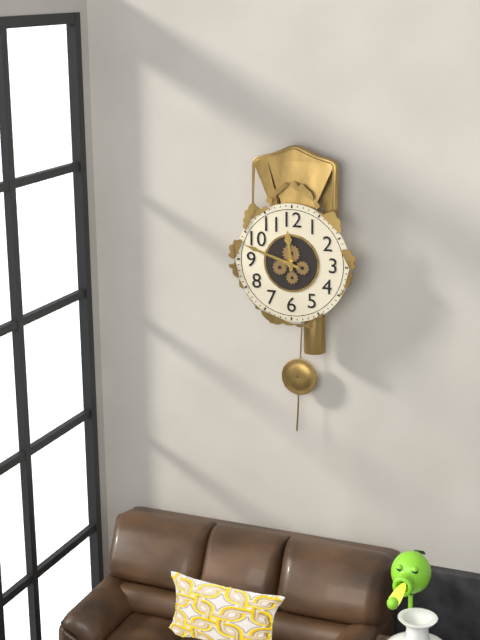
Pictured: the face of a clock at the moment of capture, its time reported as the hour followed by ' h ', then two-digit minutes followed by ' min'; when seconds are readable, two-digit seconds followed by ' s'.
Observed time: 11 h 48 min
